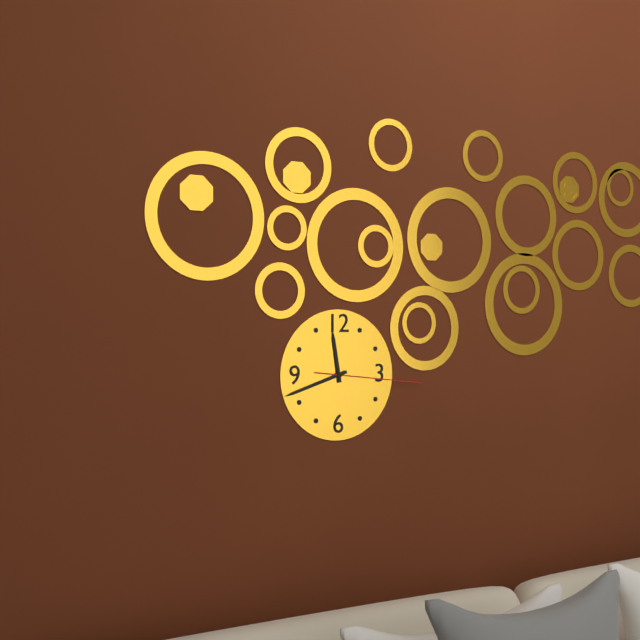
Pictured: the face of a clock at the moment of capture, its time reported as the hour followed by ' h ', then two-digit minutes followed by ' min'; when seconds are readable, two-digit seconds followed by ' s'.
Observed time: 11 h 42 min 16 s
